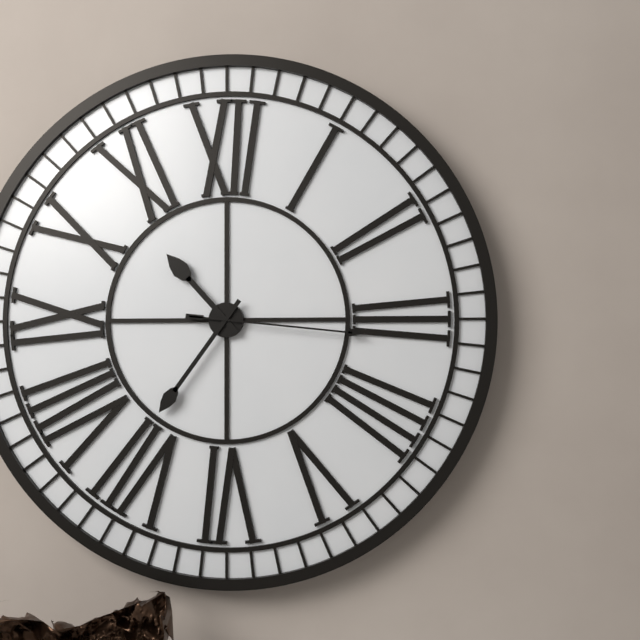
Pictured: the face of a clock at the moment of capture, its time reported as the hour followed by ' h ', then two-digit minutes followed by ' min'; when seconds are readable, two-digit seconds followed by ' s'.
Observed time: 10 h 36 min 16 s
